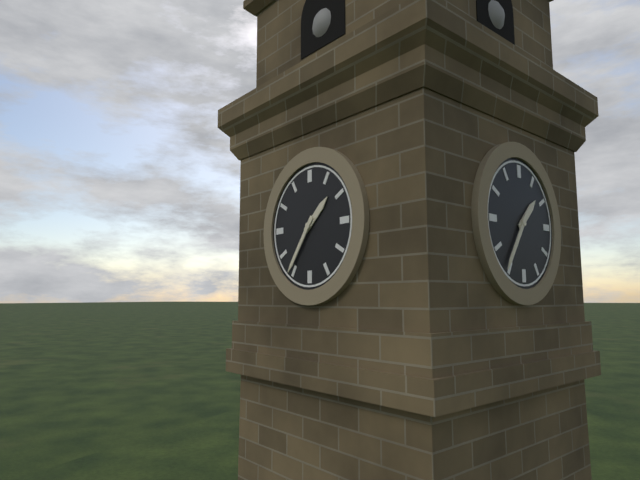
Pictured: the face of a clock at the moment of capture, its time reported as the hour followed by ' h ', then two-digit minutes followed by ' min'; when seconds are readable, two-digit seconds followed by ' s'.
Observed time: 1 h 36 min
